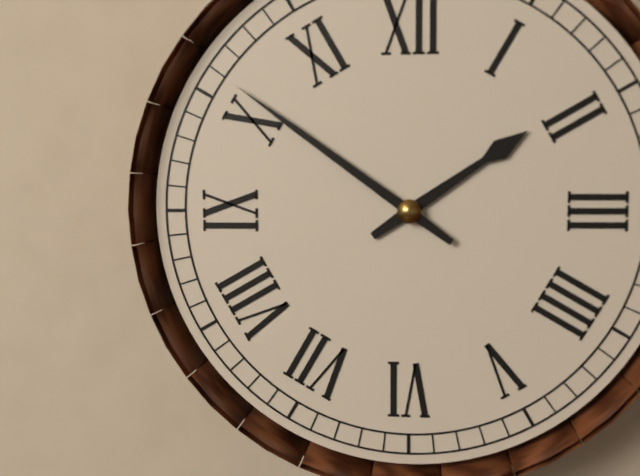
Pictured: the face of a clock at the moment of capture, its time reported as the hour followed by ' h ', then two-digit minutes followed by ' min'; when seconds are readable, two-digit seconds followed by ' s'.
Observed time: 1 h 51 min
